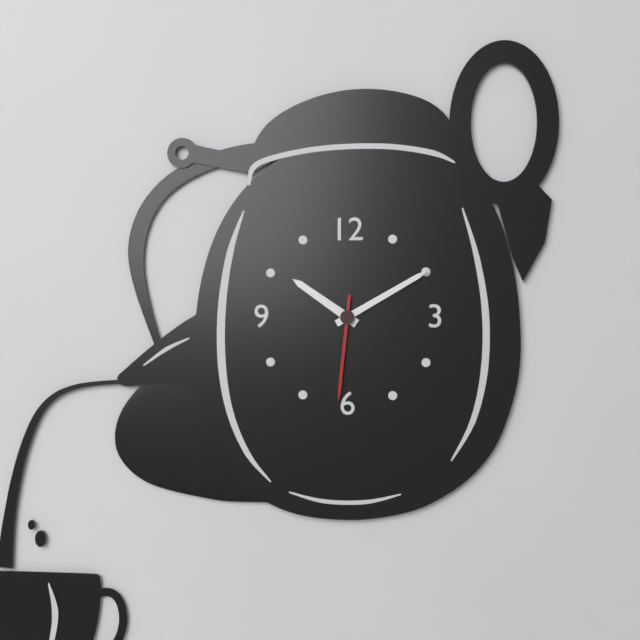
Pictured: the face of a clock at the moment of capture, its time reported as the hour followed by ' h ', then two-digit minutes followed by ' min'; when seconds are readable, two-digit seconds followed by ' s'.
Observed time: 10 h 10 min 31 s
